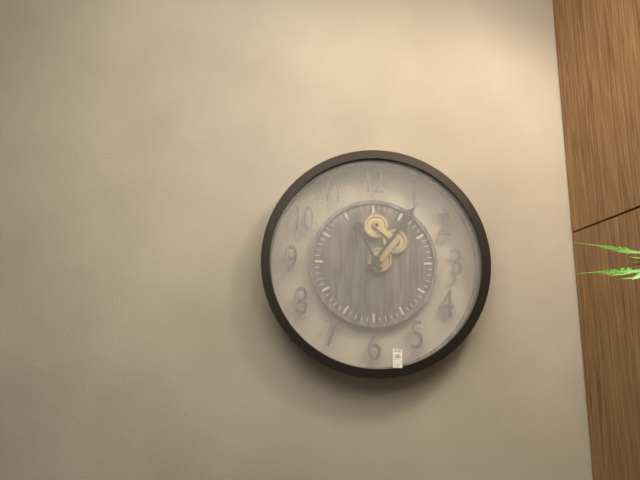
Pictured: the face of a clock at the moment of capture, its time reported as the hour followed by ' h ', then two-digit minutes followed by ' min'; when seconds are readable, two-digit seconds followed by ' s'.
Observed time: 11 h 06 min
